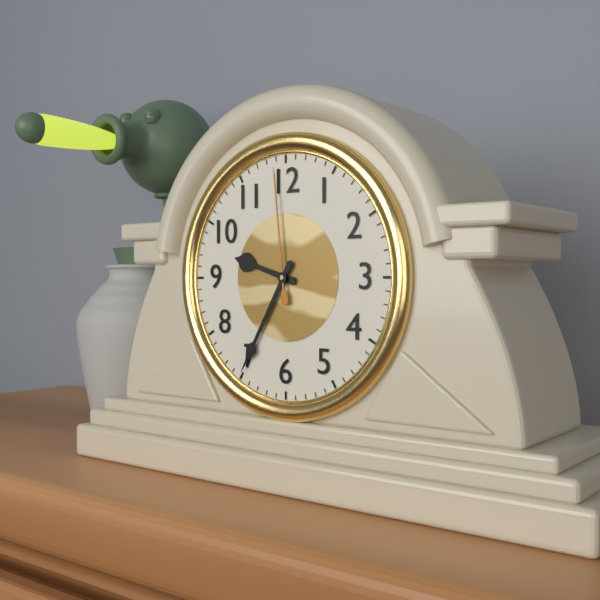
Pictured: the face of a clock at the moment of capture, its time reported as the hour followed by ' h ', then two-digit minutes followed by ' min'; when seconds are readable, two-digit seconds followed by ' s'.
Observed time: 9 h 35 min 59 s
